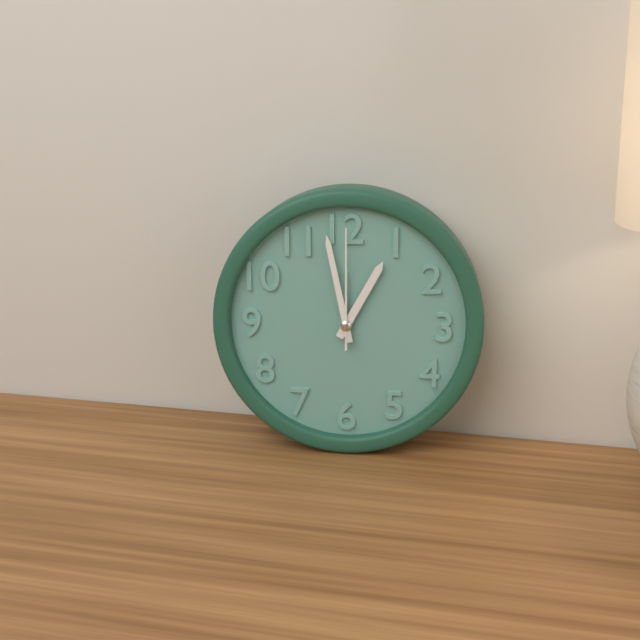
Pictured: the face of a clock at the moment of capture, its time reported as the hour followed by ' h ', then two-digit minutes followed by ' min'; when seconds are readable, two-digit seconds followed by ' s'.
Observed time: 12 h 58 min 00 s
